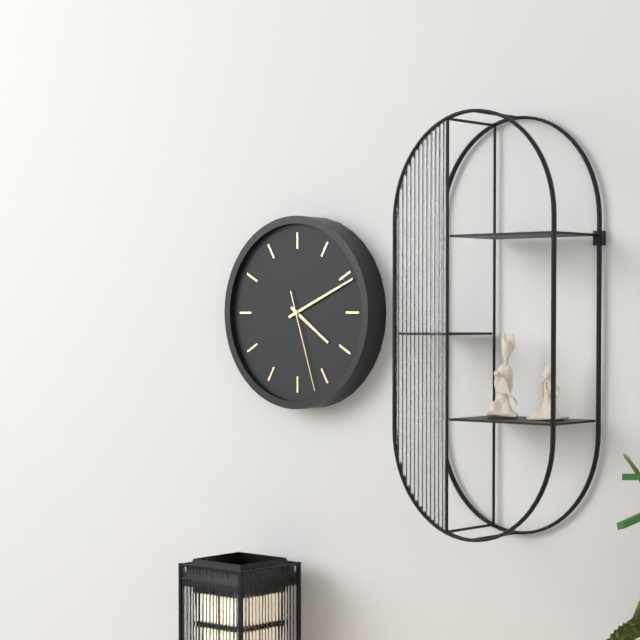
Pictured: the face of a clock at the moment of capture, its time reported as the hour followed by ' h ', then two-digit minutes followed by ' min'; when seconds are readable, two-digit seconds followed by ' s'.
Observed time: 4 h 11 min 27 s
